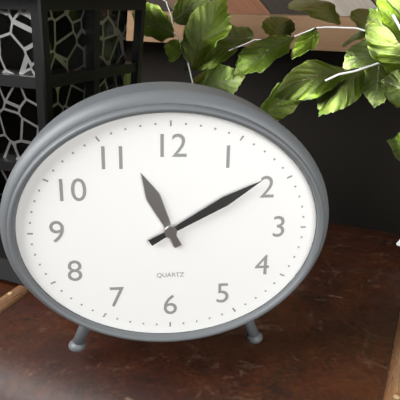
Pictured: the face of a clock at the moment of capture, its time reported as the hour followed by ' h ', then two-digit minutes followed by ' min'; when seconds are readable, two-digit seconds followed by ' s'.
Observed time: 11 h 10 min
